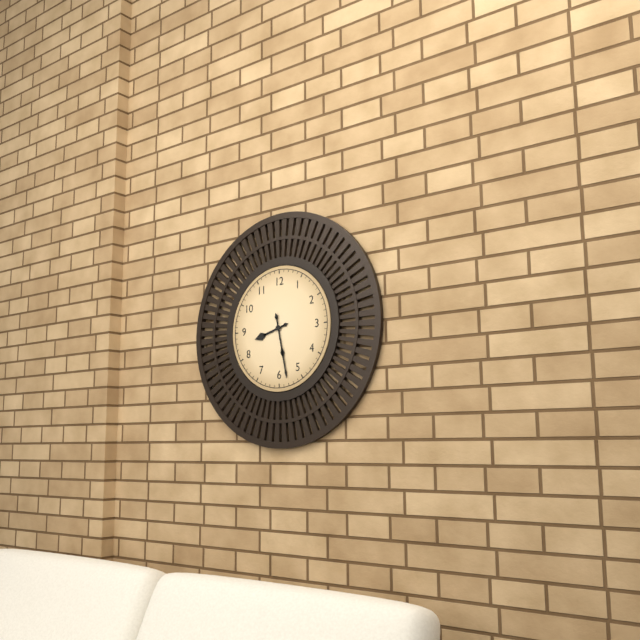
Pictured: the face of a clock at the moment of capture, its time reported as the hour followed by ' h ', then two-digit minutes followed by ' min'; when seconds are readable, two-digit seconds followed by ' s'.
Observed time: 8 h 28 min
